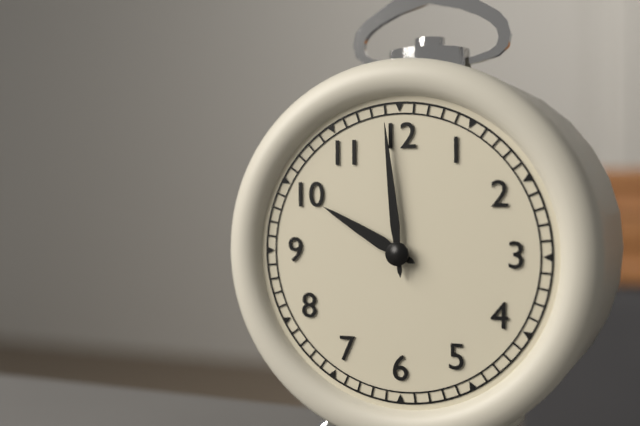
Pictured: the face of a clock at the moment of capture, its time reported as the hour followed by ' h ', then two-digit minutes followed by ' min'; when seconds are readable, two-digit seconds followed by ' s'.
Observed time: 9 h 59 min
